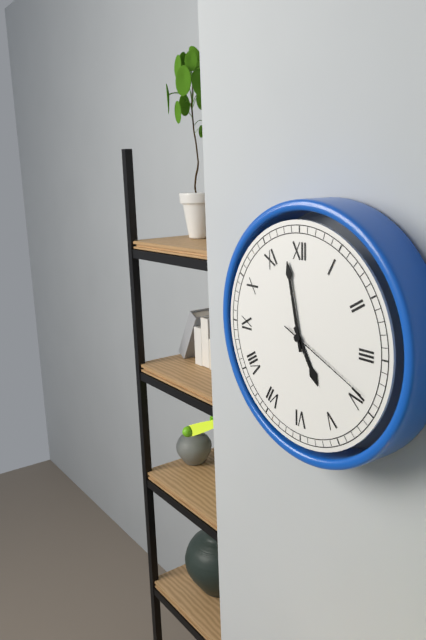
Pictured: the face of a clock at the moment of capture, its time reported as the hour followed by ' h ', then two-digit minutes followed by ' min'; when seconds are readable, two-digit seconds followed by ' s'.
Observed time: 4 h 58 min 19 s
